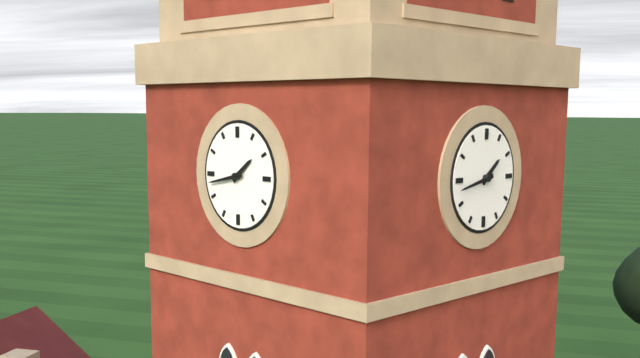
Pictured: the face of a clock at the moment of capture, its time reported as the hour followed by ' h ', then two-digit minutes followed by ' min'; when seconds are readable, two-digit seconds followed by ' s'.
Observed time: 1 h 43 min
